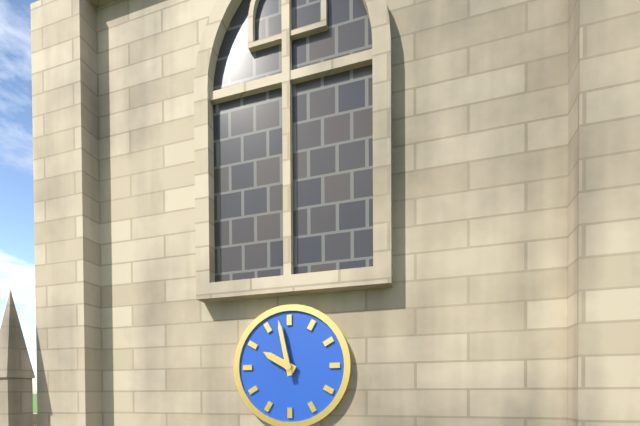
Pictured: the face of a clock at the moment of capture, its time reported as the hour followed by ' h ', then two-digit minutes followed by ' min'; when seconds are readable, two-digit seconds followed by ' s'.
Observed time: 9 h 58 min
